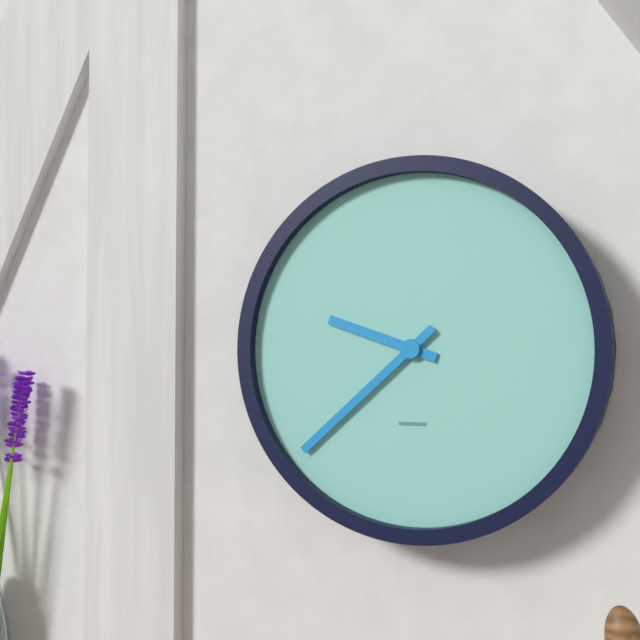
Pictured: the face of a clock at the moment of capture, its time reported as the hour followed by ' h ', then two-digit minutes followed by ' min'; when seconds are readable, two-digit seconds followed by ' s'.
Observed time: 9 h 38 min
